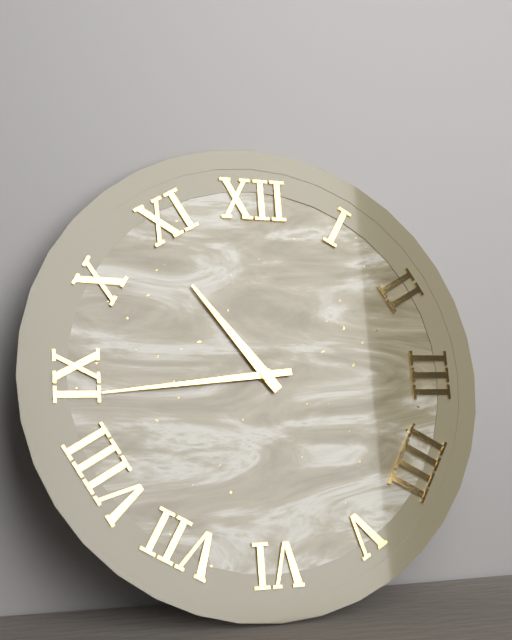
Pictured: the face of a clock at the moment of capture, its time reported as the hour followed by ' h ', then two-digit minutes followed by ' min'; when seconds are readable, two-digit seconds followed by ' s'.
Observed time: 10 h 44 min
